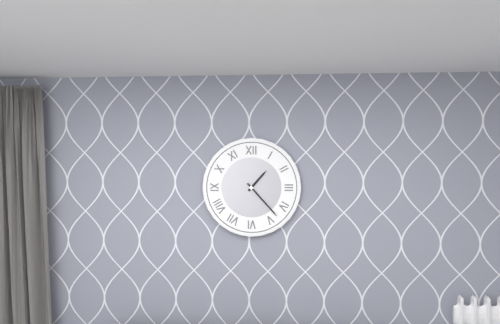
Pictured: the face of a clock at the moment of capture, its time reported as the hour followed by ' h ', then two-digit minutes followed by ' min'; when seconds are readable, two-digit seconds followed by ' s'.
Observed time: 1 h 23 min
